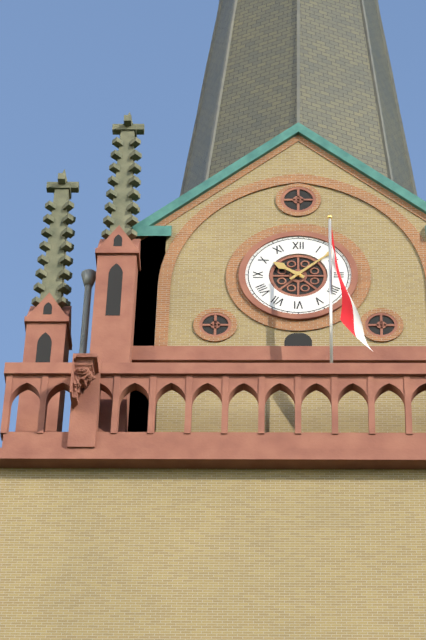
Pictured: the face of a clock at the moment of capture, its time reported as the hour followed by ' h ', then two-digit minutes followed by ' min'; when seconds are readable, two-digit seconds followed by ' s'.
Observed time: 10 h 08 min
